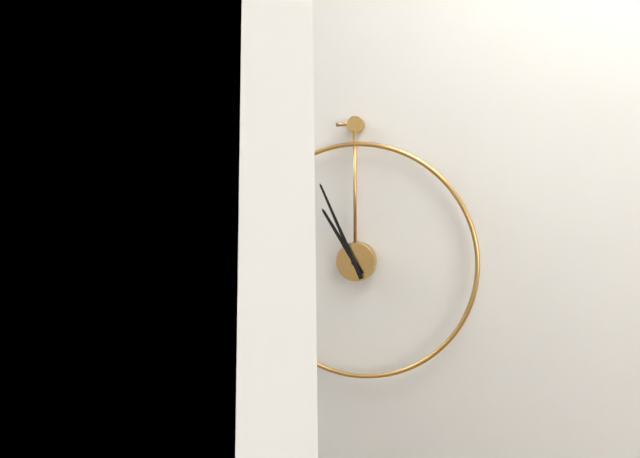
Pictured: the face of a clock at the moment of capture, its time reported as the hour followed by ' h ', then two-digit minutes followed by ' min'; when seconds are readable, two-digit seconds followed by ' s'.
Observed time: 10 h 56 min
